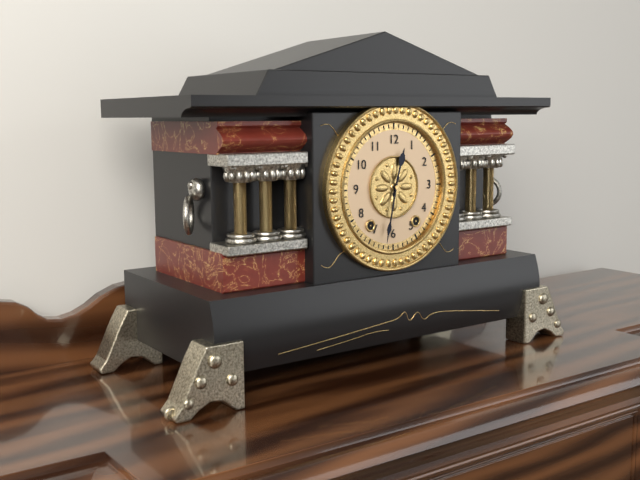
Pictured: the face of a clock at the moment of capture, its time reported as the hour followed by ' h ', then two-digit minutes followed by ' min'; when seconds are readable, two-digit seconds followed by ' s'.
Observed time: 12 h 32 min
